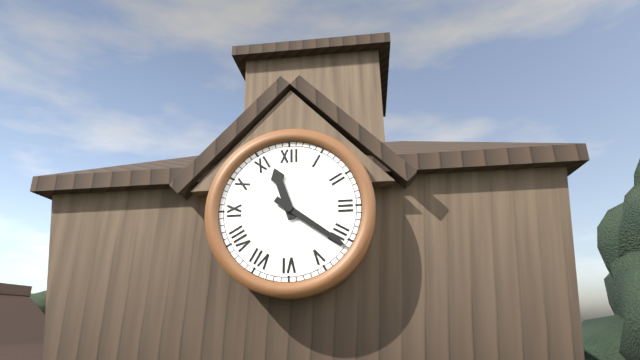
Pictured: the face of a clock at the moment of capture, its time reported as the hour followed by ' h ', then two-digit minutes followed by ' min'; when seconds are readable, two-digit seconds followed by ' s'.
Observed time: 11 h 21 min
